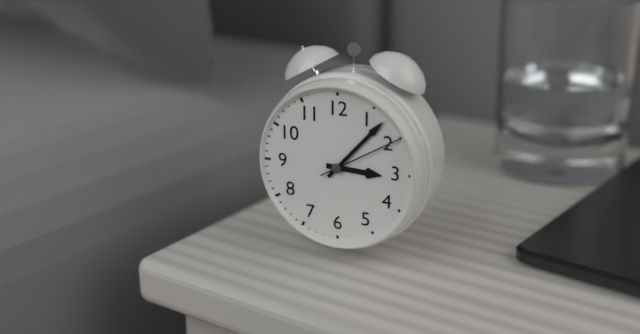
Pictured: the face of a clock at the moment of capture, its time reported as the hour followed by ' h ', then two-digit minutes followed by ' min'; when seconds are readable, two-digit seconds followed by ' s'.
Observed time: 3 h 07 min 10 s
